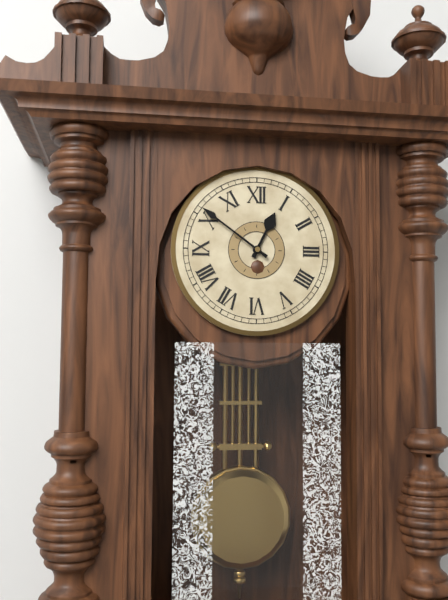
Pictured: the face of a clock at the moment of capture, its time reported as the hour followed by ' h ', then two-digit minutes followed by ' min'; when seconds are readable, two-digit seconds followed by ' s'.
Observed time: 12 h 51 min
